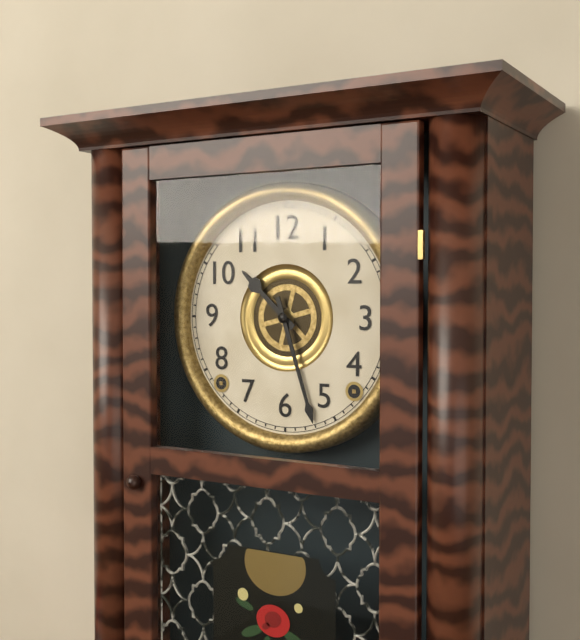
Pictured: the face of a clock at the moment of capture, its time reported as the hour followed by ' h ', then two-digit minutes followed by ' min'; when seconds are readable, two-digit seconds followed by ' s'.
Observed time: 10 h 27 min
